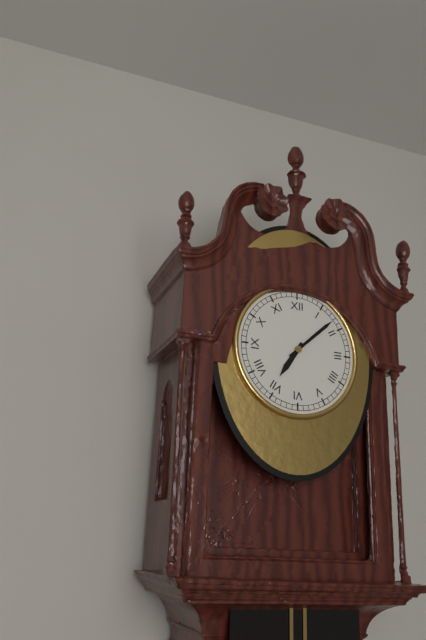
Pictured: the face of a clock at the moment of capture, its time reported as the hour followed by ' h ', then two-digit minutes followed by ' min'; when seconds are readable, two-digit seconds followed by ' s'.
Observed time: 7 h 08 min
